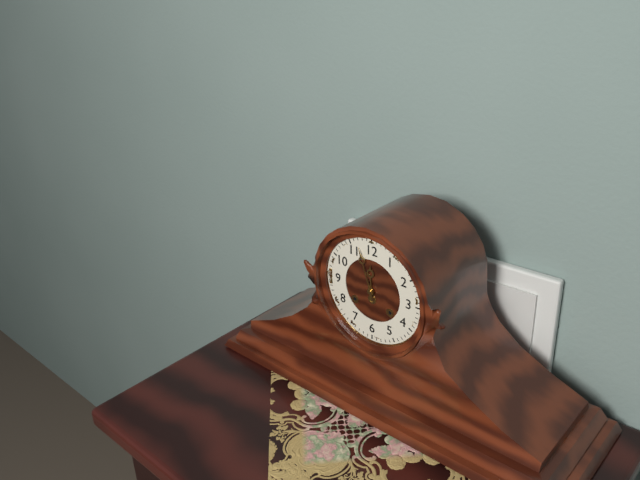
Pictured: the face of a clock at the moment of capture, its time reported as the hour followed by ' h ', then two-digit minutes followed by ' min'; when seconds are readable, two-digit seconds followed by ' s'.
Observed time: 11 h 57 min
